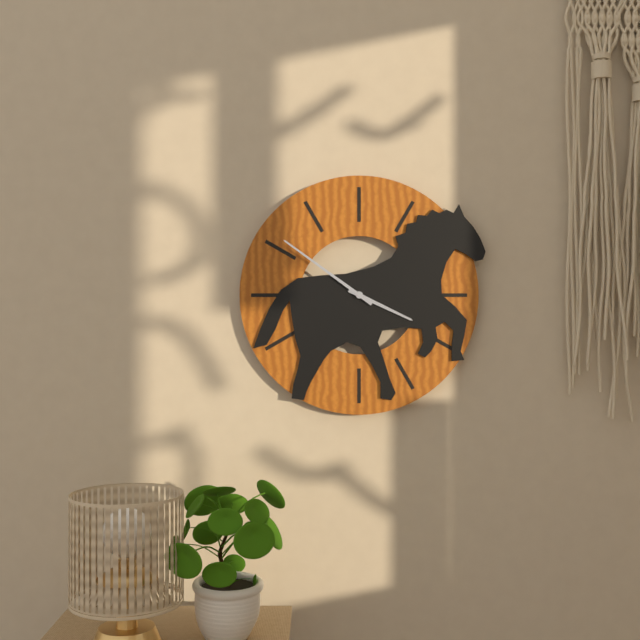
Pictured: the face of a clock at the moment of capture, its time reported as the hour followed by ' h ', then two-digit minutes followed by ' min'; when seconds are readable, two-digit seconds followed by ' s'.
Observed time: 3 h 51 min
